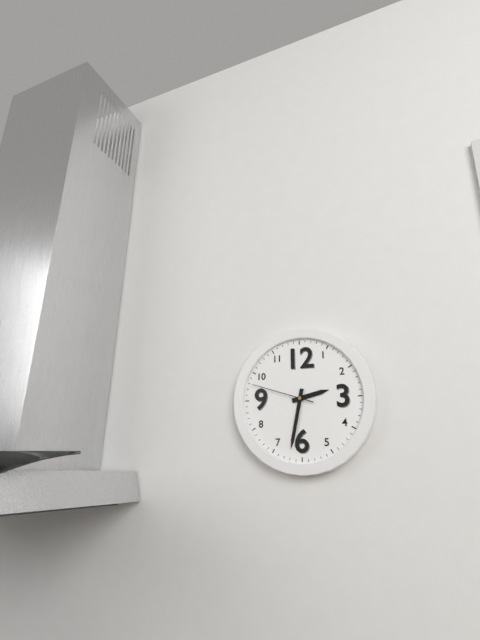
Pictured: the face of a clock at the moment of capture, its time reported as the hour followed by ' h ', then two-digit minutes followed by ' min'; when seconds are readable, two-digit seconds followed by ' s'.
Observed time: 2 h 32 min 48 s
